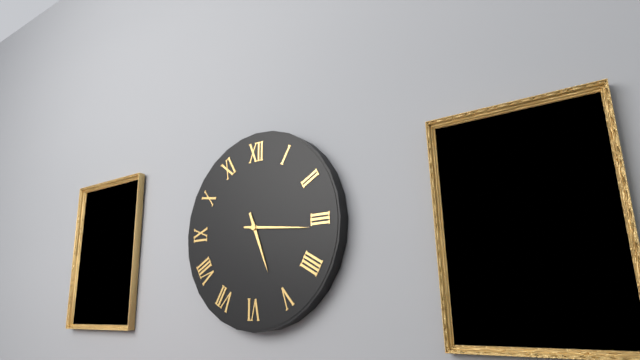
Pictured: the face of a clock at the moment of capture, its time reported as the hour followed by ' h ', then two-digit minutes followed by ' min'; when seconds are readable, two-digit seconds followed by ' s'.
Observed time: 5 h 16 min
